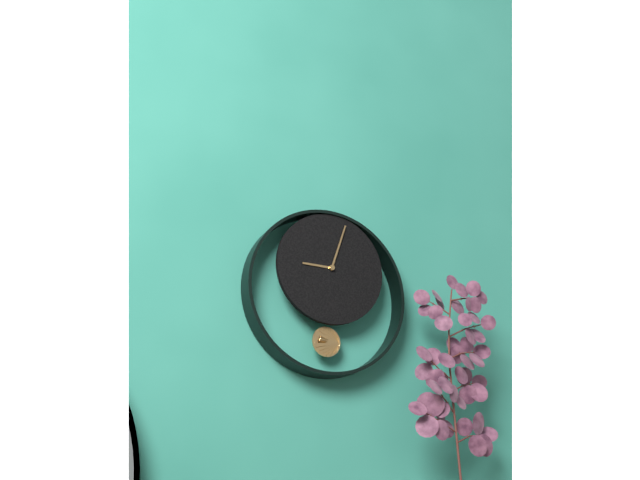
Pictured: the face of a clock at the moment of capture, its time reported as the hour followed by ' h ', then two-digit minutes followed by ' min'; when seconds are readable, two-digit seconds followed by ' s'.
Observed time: 9 h 03 min
